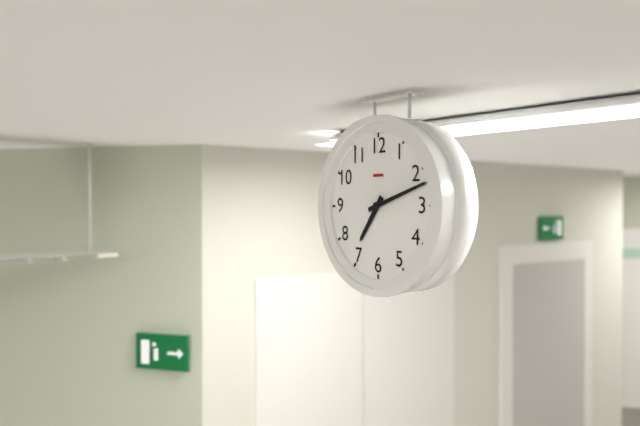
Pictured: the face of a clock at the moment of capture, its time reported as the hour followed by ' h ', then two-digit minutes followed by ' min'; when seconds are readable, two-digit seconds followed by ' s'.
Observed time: 7 h 12 min
